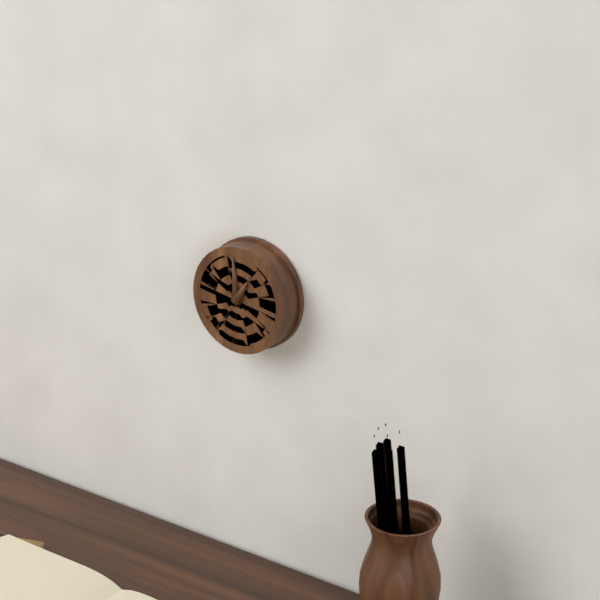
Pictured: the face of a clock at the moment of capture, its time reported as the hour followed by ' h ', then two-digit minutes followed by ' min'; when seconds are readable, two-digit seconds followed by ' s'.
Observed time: 12 h 59 min
